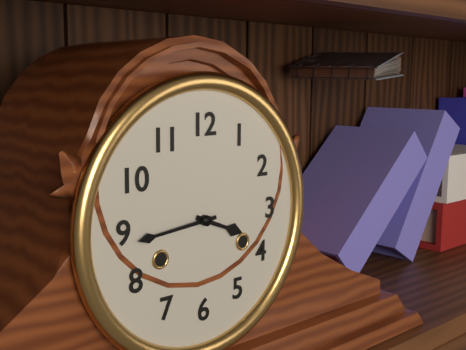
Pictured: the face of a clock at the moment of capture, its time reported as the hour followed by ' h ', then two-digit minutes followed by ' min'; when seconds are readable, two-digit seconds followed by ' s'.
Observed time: 3 h 44 min
